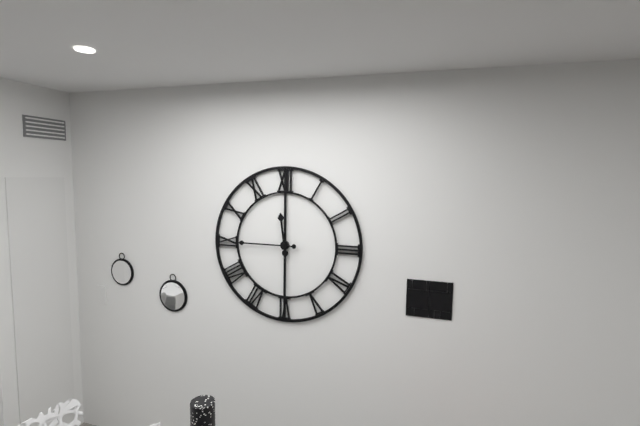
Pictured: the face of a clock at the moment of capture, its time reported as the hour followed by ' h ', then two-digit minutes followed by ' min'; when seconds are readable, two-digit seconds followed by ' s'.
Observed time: 11 h 45 min
